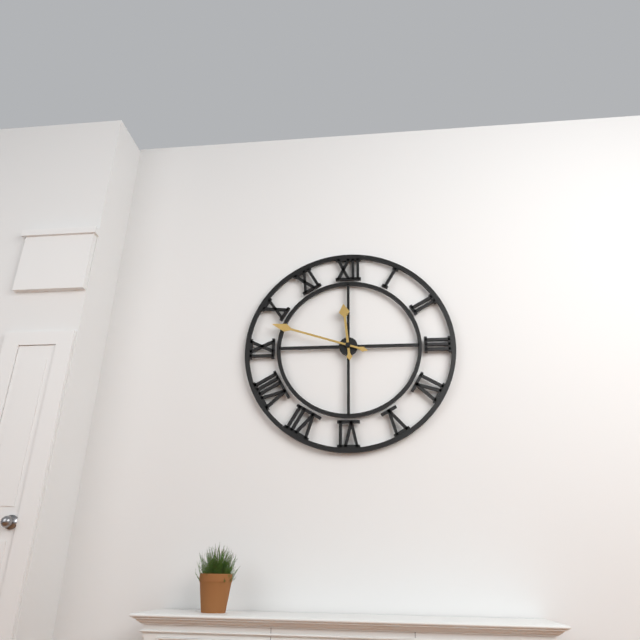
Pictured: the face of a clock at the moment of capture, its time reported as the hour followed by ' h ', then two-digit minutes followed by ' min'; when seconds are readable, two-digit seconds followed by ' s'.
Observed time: 11 h 48 min
